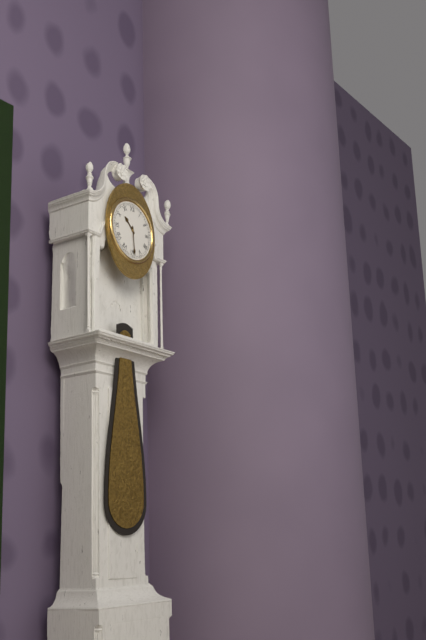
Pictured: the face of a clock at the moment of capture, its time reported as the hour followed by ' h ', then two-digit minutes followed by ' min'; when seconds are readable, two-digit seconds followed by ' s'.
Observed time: 10 h 29 min
